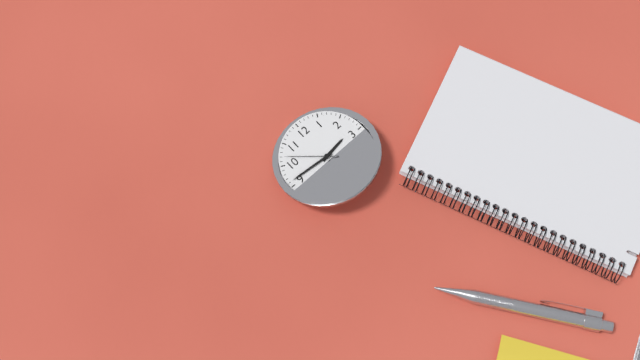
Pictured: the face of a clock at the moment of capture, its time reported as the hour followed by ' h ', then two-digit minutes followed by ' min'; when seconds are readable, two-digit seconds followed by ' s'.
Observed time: 2 h 46 min 52 s
